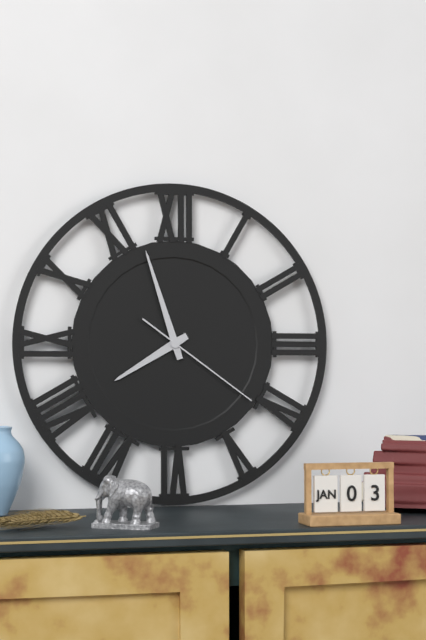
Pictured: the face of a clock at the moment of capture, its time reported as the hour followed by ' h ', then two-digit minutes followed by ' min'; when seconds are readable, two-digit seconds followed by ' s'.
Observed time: 7 h 57 min 21 s
